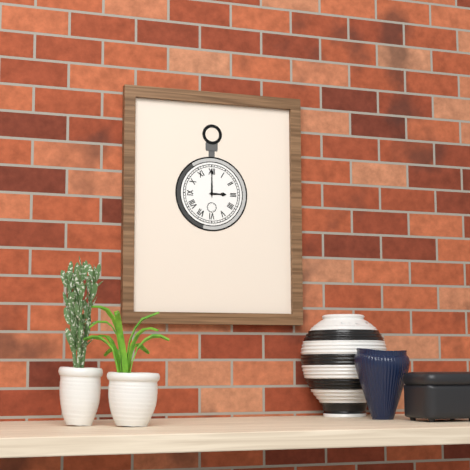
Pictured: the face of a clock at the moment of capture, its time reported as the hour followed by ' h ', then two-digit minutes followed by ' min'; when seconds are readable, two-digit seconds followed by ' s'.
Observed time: 3 h 00 min
